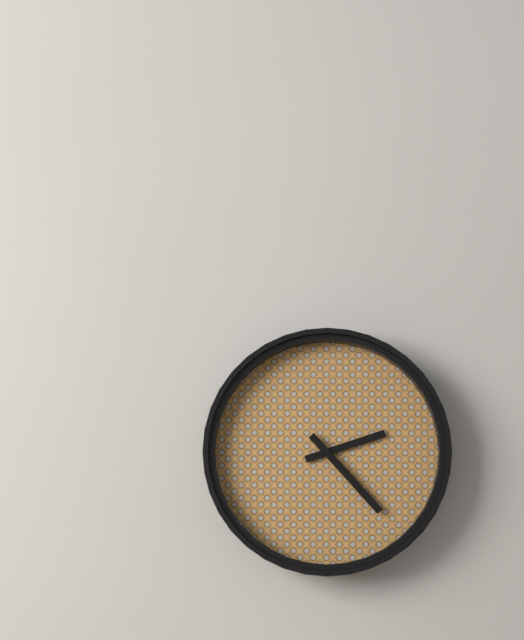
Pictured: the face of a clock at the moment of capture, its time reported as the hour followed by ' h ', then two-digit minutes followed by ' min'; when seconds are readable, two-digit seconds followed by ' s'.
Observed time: 2 h 23 min
